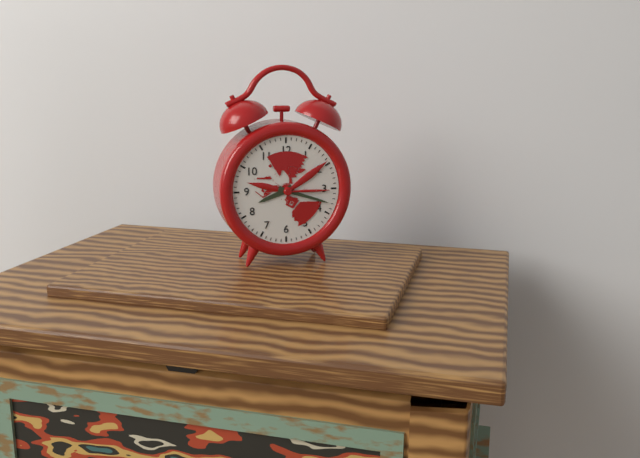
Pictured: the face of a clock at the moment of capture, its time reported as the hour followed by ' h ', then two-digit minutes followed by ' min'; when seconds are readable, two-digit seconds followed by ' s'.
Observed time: 8 h 18 min
